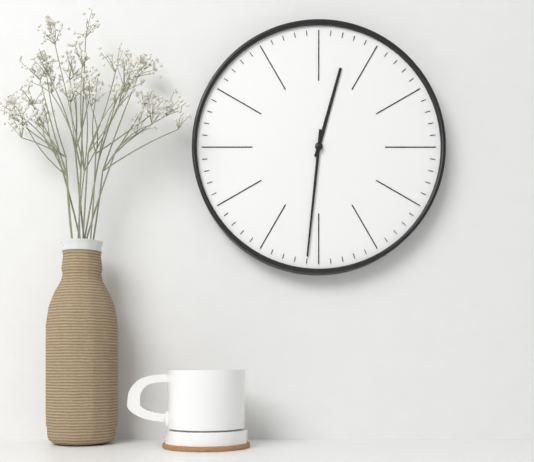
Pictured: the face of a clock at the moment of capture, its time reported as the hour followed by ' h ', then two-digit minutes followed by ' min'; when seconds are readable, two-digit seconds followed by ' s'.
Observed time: 12 h 31 min
